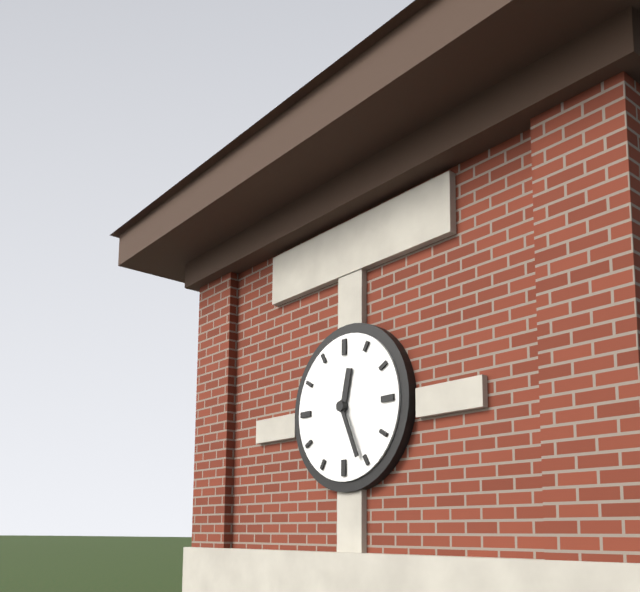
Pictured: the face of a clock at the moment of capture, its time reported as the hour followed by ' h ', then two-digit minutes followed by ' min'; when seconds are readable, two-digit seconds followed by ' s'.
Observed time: 12 h 26 min
